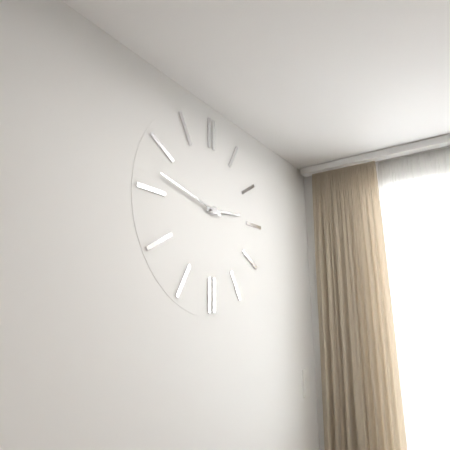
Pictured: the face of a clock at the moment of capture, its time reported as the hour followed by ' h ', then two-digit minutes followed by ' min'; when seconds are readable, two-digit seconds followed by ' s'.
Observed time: 2 h 47 min
